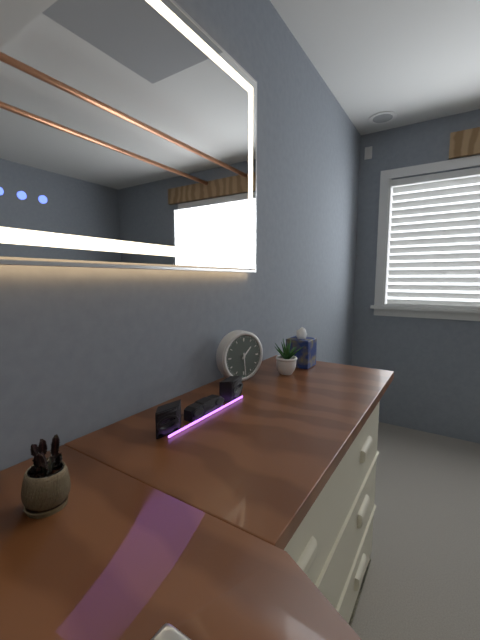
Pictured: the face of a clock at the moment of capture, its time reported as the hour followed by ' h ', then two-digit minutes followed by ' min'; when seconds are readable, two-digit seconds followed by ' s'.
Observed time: 1 h 29 min
